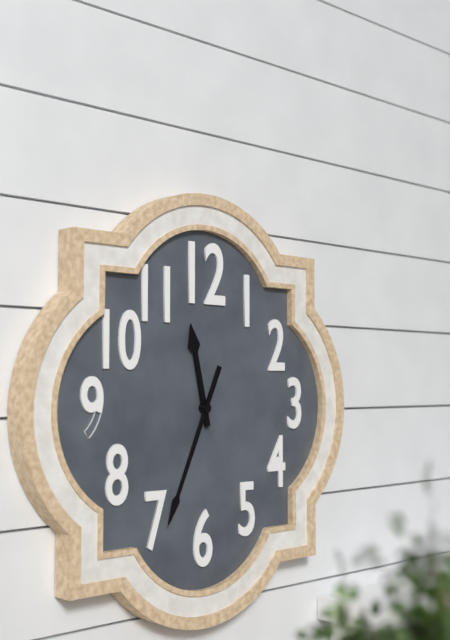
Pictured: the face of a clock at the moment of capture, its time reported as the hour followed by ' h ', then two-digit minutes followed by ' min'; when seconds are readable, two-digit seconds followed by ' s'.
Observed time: 11 h 34 min
